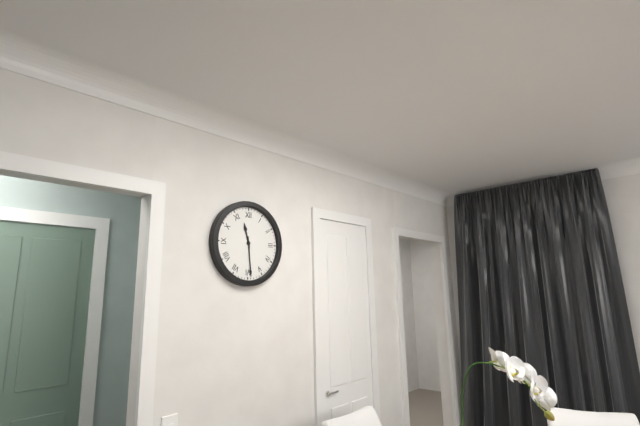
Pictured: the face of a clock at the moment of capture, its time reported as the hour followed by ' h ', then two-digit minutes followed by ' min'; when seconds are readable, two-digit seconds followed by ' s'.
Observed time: 11 h 29 min
